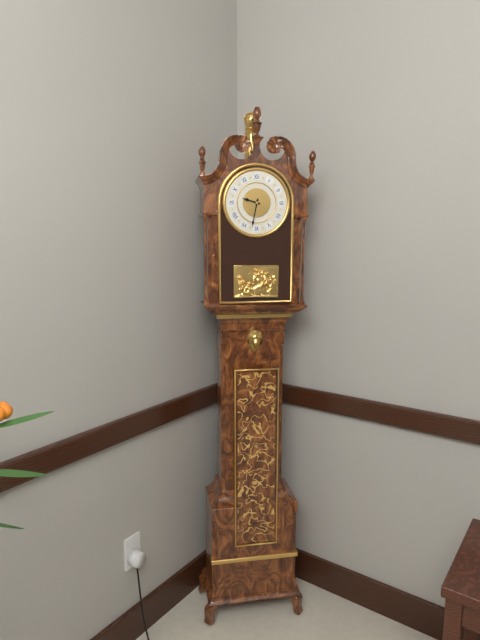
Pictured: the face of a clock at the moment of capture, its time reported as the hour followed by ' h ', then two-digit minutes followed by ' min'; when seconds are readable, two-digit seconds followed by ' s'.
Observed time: 9 h 32 min
